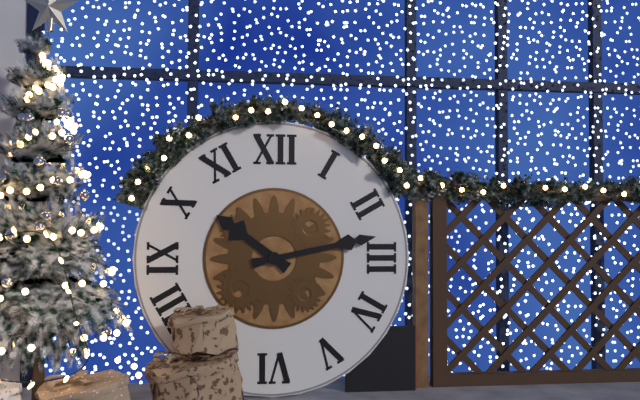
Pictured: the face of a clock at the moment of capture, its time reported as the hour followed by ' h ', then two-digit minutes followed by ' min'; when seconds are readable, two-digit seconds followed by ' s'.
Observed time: 10 h 13 min
